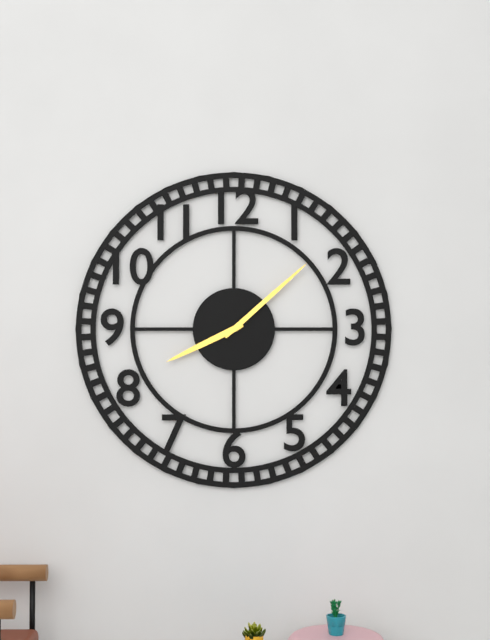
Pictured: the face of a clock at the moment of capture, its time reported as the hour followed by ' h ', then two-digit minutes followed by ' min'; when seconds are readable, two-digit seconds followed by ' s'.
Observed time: 8 h 08 min
